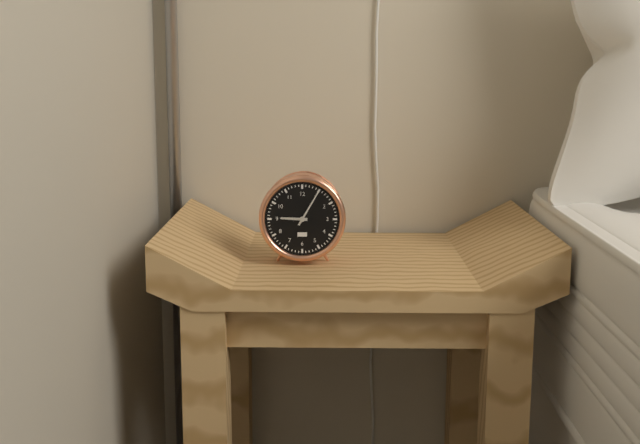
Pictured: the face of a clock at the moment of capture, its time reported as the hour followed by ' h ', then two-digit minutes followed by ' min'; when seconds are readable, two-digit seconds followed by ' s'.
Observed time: 9 h 05 min
